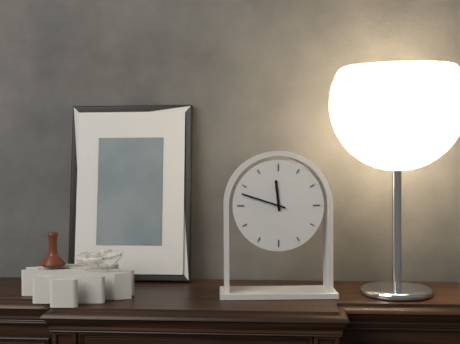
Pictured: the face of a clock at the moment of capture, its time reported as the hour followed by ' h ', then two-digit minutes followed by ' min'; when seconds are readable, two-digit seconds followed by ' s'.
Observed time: 11 h 48 min
